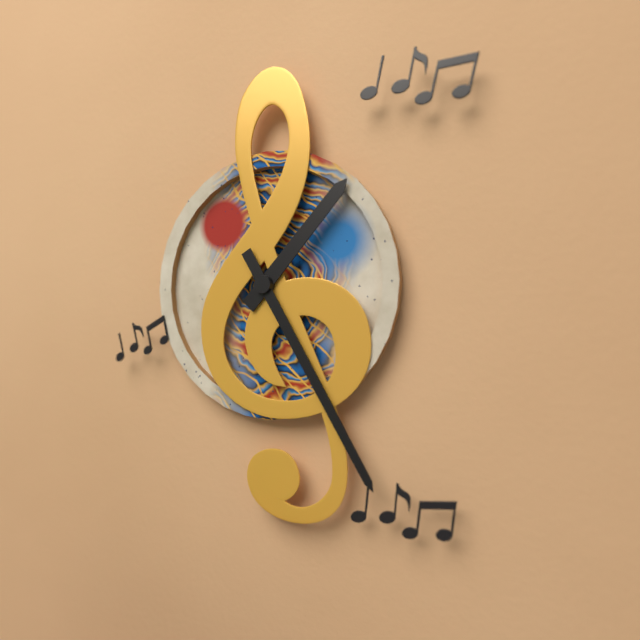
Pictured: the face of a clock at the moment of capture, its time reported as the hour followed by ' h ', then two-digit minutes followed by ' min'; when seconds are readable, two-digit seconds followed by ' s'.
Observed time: 1 h 25 min
